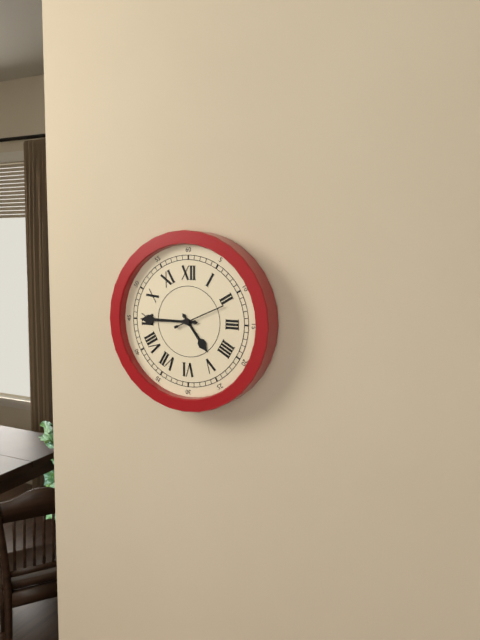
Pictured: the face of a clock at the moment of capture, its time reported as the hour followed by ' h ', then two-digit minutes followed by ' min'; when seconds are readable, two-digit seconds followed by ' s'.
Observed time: 4 h 45 min
